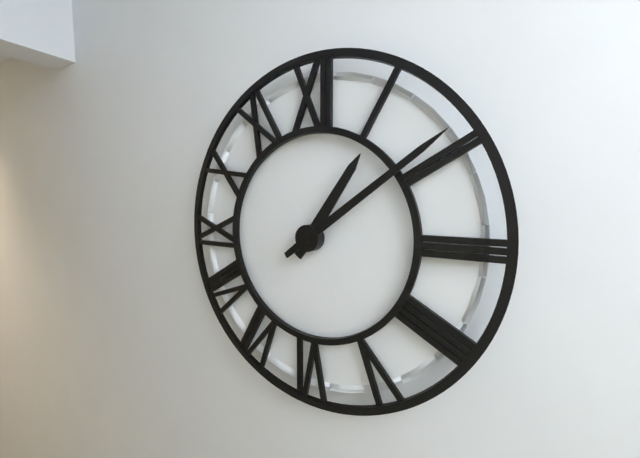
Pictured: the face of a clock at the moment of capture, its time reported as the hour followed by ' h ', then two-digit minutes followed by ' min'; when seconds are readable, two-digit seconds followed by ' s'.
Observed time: 1 h 09 min
